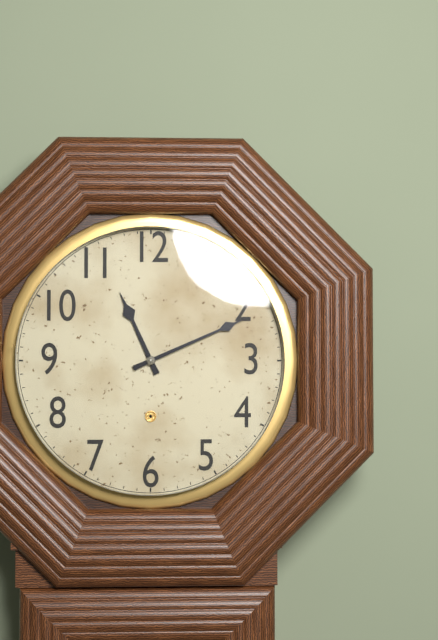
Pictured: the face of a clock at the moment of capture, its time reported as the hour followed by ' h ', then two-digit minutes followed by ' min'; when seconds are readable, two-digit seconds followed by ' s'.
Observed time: 11 h 11 min
